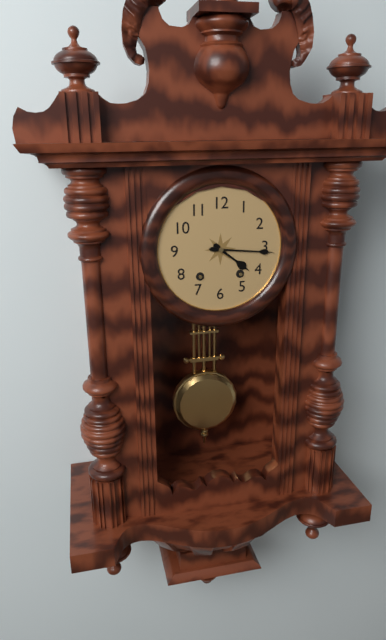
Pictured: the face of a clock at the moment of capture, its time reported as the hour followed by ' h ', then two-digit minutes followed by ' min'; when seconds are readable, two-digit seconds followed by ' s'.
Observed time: 4 h 16 min
